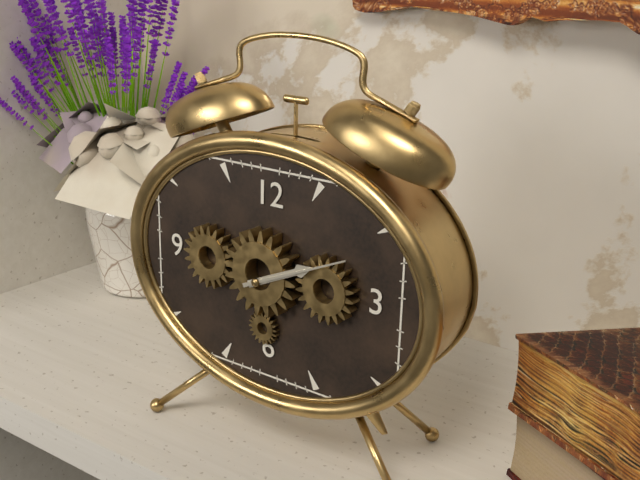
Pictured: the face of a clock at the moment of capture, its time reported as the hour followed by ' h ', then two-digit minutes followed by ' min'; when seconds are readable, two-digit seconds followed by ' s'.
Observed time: 2 h 11 min
